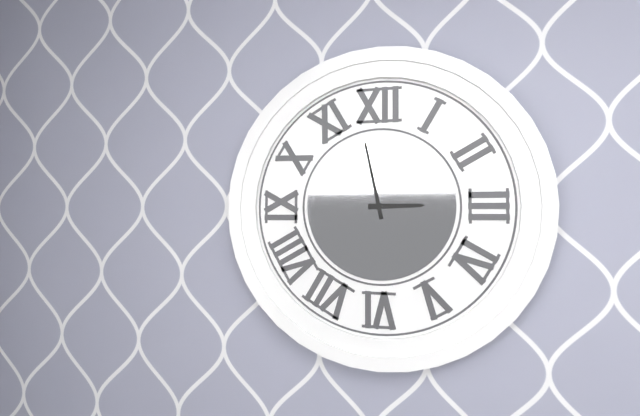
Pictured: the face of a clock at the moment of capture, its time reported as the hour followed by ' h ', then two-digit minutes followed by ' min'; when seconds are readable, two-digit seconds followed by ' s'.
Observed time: 2 h 58 min
